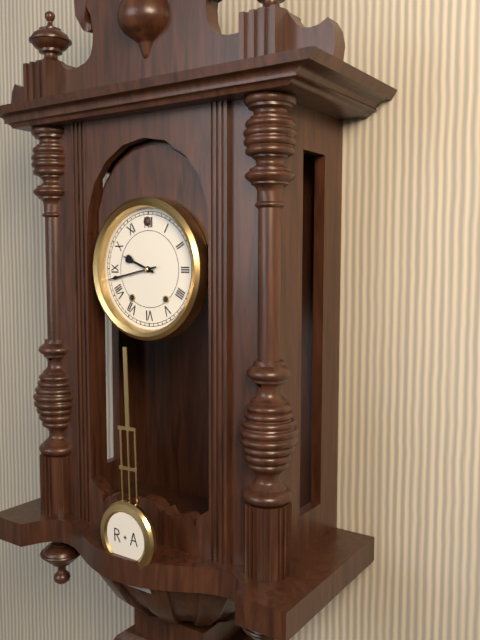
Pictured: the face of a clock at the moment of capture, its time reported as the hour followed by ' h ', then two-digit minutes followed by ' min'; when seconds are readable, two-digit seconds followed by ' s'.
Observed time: 9 h 43 min
